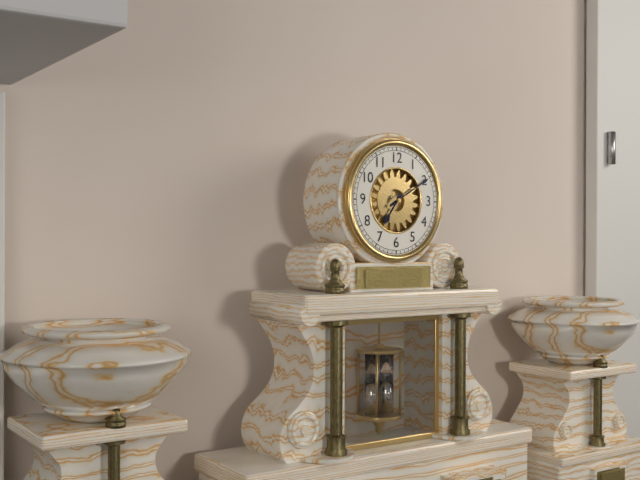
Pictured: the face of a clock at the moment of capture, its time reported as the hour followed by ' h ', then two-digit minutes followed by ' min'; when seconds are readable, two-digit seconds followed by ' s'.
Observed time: 7 h 10 min
